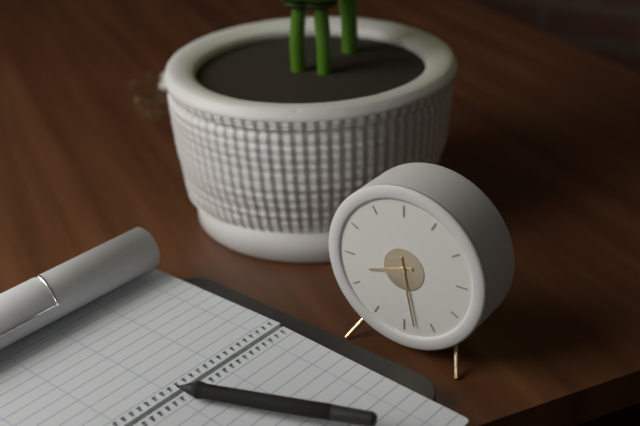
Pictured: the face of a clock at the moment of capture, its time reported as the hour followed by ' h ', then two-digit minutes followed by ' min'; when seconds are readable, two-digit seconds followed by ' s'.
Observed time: 8 h 28 min
